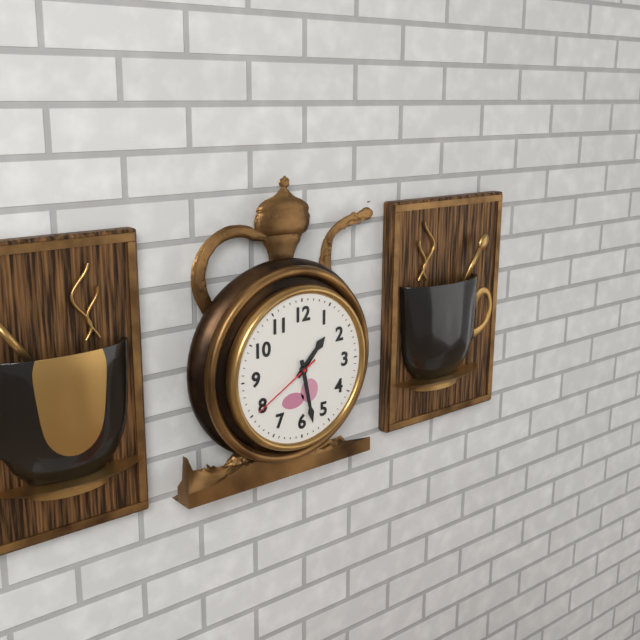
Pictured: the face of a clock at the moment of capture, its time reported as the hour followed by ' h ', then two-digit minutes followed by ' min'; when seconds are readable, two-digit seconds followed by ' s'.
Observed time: 1 h 28 min 40 s
